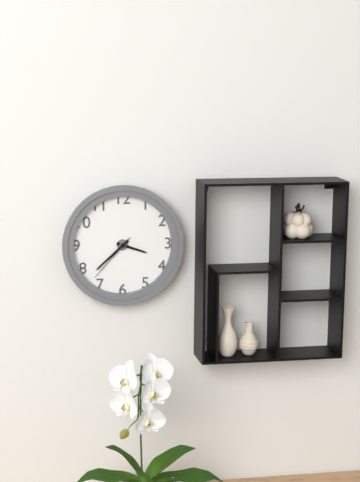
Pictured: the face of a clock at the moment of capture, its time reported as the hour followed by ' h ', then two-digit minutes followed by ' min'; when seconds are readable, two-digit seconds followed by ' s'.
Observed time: 3 h 38 min 37 s
